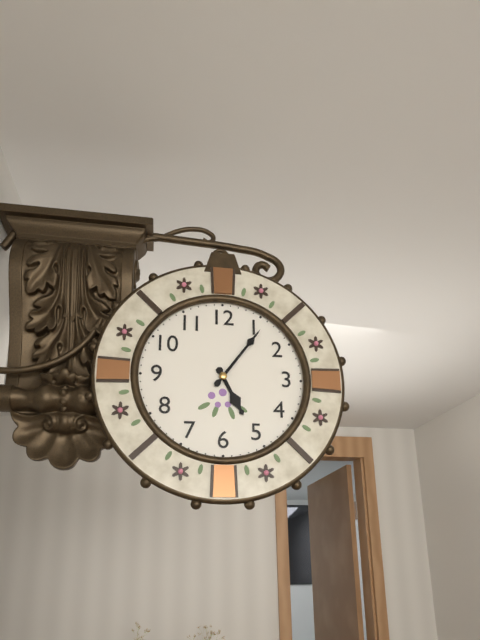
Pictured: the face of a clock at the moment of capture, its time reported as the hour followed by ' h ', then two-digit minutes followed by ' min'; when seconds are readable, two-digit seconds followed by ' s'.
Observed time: 5 h 06 min
